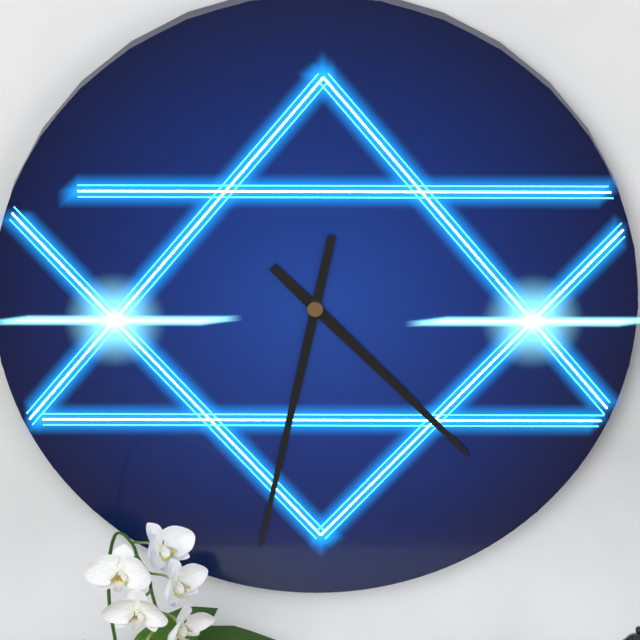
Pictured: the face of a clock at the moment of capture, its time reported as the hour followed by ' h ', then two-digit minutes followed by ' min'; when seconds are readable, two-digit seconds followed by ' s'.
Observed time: 4 h 32 min
